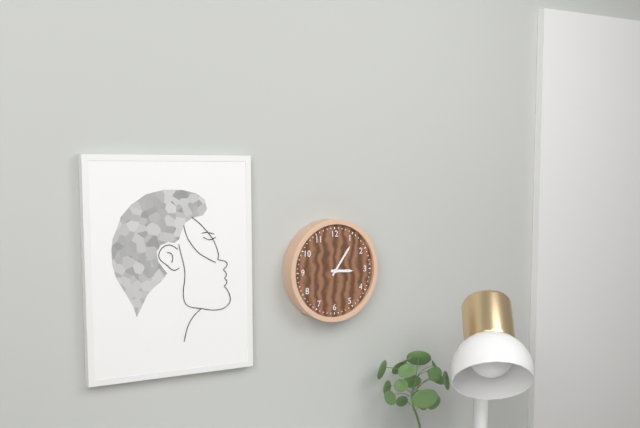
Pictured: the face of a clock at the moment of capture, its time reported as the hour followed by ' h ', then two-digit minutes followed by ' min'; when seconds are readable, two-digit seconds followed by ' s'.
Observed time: 3 h 06 min
